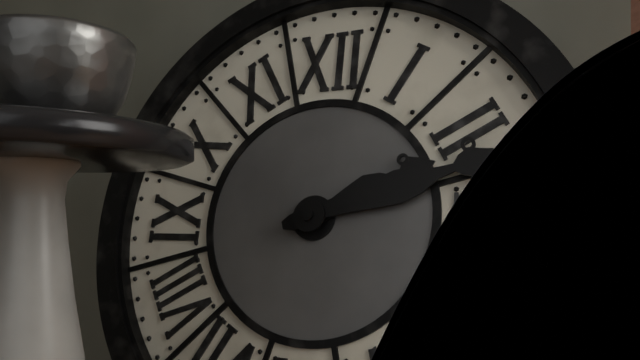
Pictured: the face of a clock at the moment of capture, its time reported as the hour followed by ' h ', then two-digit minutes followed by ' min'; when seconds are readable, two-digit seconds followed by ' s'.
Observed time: 2 h 12 min
